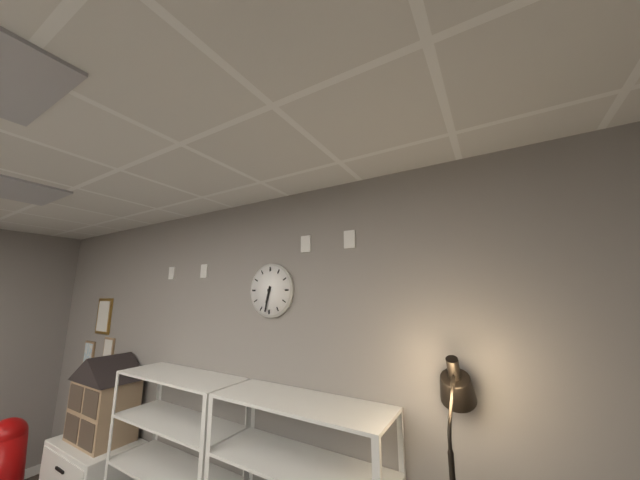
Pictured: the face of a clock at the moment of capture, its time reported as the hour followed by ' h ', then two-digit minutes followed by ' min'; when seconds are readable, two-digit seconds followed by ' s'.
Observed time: 6 h 32 min
